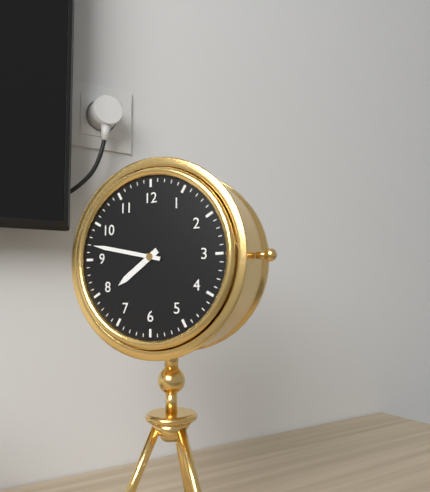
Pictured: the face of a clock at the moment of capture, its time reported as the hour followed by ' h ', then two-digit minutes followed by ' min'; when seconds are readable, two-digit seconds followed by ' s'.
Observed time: 7 h 47 min
